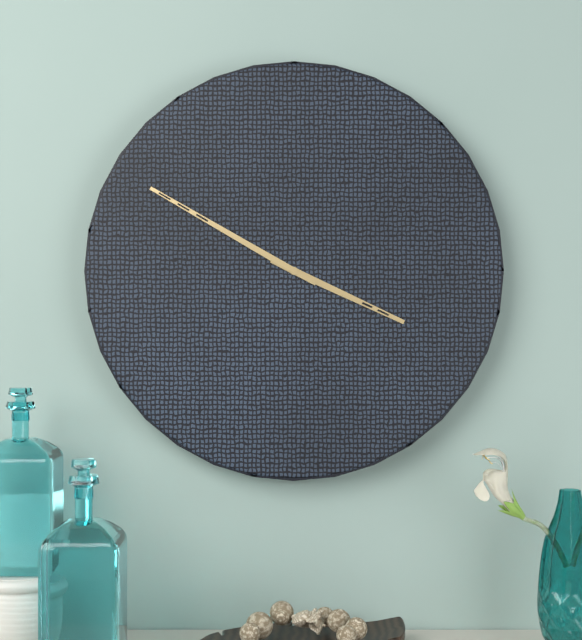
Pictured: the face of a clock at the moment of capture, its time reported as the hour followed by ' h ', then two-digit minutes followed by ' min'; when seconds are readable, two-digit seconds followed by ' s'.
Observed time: 3 h 50 min
